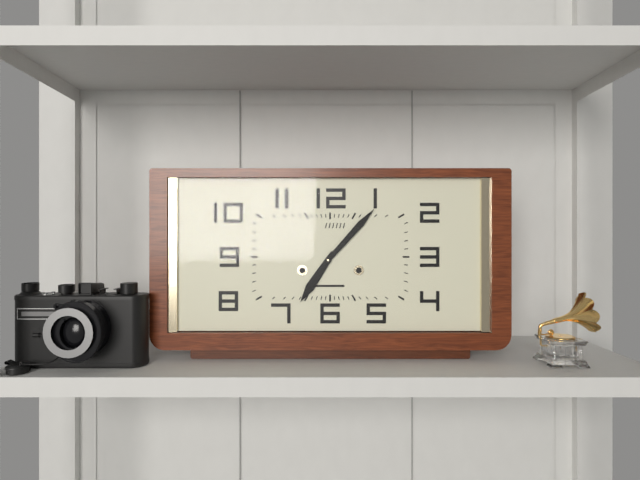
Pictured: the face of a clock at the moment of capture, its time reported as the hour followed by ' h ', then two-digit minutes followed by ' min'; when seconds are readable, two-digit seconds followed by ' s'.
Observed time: 7 h 07 min
